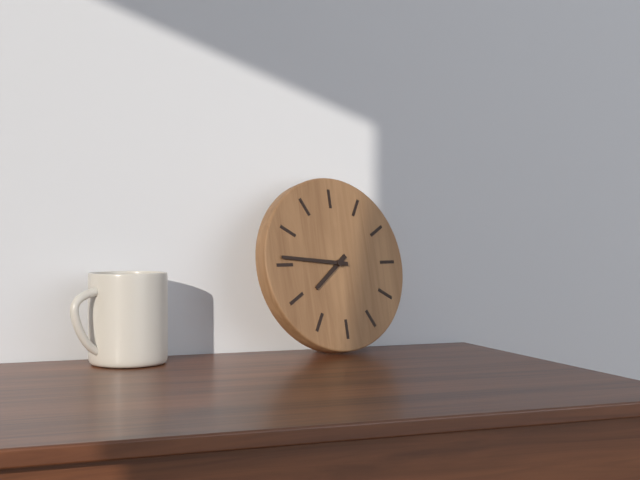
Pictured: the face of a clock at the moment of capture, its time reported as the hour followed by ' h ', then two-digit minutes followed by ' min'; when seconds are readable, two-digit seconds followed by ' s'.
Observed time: 7 h 46 min
